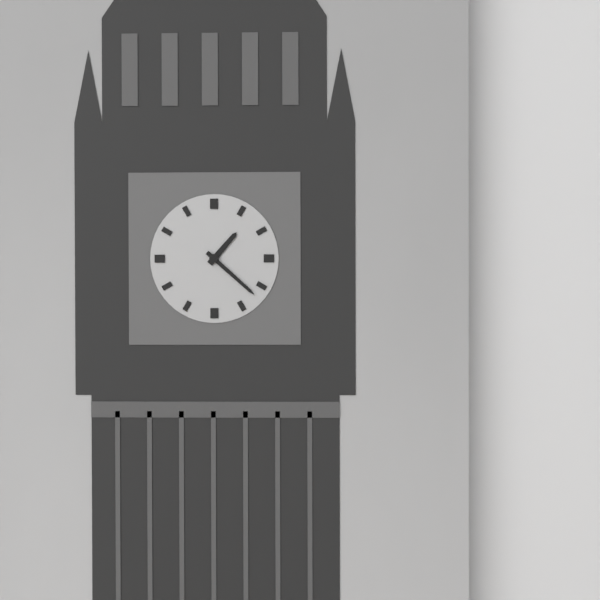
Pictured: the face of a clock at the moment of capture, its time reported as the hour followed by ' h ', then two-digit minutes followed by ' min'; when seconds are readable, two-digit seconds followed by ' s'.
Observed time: 1 h 22 min
